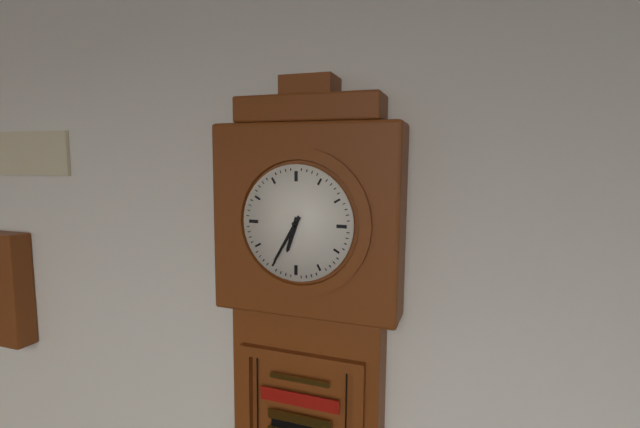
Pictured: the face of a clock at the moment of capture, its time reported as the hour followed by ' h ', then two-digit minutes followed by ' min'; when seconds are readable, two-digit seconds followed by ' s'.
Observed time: 6 h 35 min
